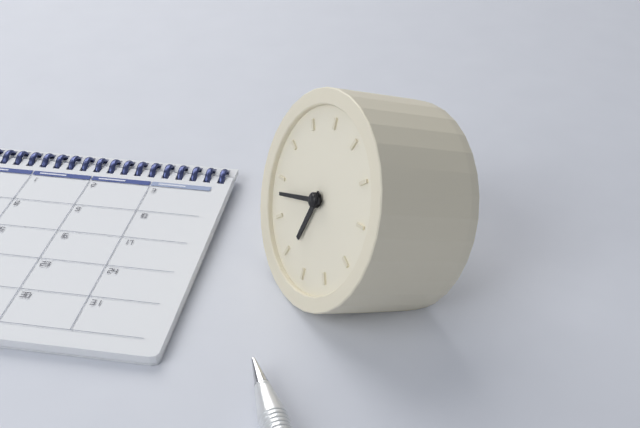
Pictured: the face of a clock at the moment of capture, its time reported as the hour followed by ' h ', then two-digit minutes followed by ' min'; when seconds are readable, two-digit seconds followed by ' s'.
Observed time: 6 h 43 min
